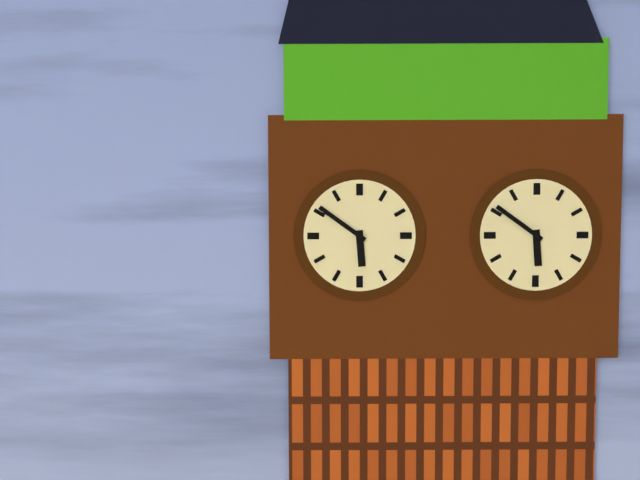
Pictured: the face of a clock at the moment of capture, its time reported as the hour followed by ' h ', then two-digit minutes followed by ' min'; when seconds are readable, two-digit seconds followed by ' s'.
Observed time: 5 h 51 min
